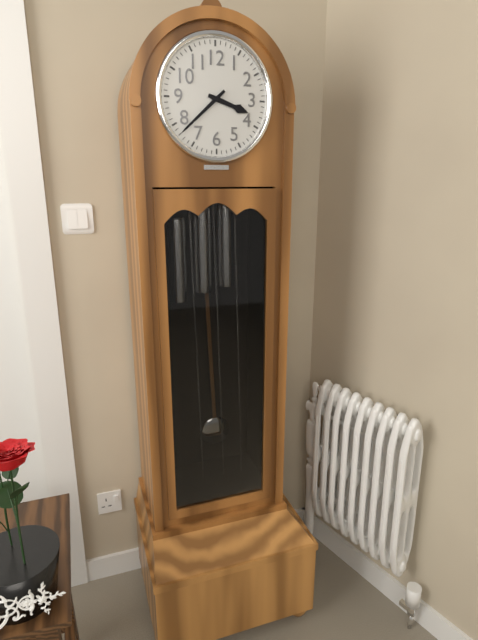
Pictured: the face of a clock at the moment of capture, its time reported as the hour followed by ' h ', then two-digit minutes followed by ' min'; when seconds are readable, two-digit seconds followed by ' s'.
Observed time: 3 h 38 min
